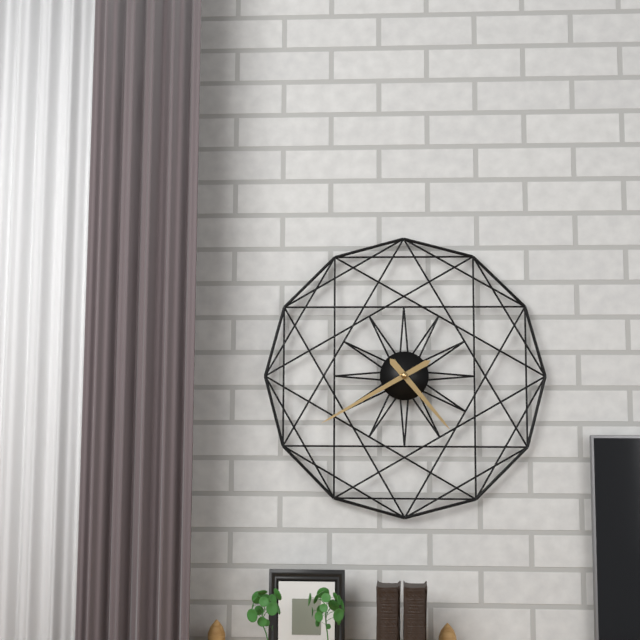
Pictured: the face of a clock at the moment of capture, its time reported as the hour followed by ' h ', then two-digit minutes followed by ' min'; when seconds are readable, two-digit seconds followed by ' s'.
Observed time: 4 h 40 min
